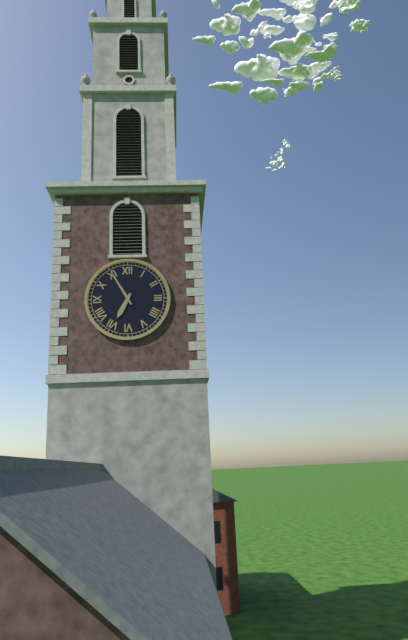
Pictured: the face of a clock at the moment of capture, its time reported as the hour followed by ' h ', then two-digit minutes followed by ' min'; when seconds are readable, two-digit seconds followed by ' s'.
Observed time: 6 h 55 min
